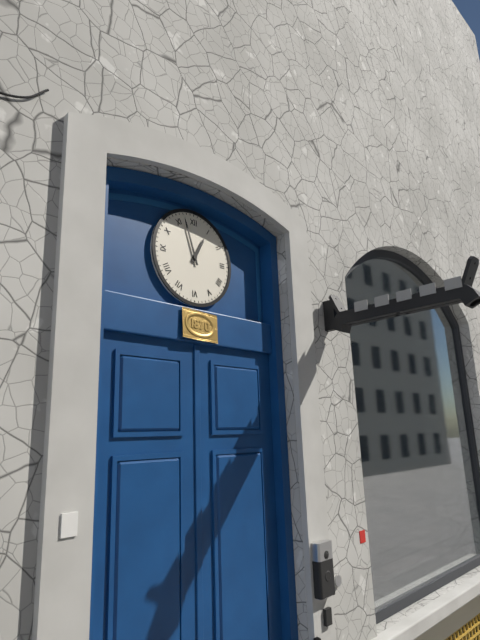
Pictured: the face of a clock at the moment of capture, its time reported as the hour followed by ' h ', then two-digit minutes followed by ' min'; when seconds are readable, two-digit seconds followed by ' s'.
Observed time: 12 h 57 min
